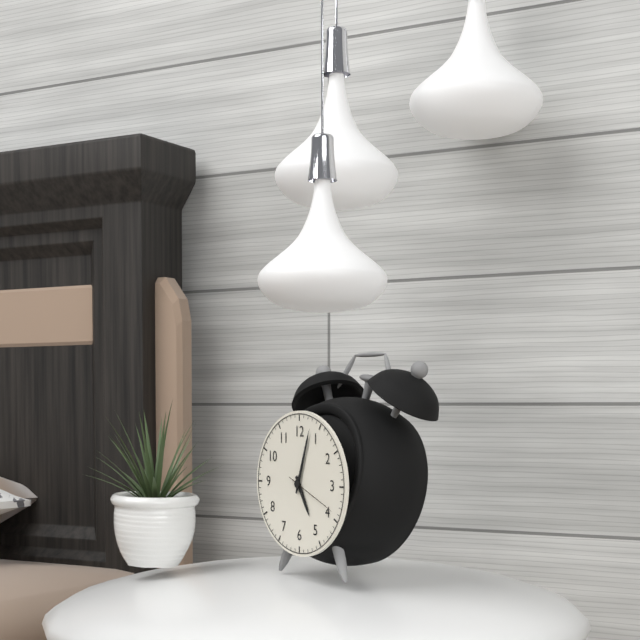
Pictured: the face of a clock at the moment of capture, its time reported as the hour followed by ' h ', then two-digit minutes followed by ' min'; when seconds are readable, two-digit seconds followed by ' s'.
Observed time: 5 h 03 min 19 s
